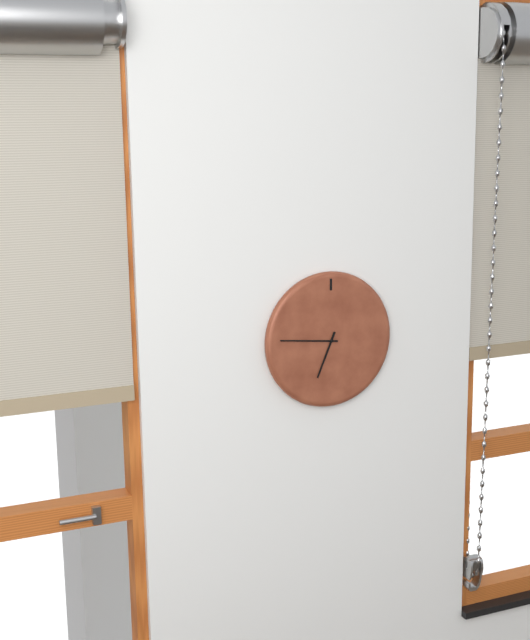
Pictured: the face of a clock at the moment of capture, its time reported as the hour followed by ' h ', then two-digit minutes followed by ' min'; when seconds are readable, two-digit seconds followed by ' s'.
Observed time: 6 h 46 min
